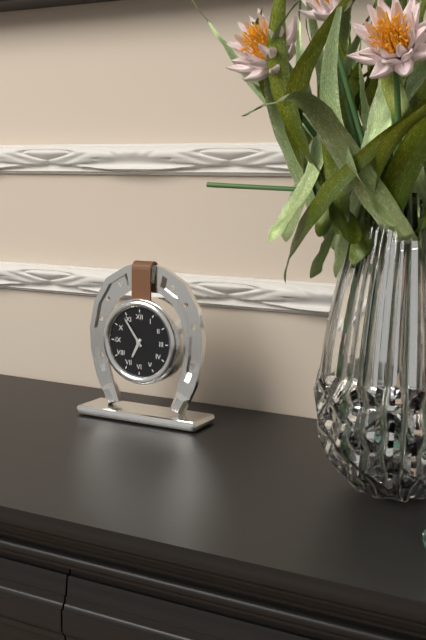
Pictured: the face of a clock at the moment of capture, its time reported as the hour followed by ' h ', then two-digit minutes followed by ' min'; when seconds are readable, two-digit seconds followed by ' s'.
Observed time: 6 h 54 min
